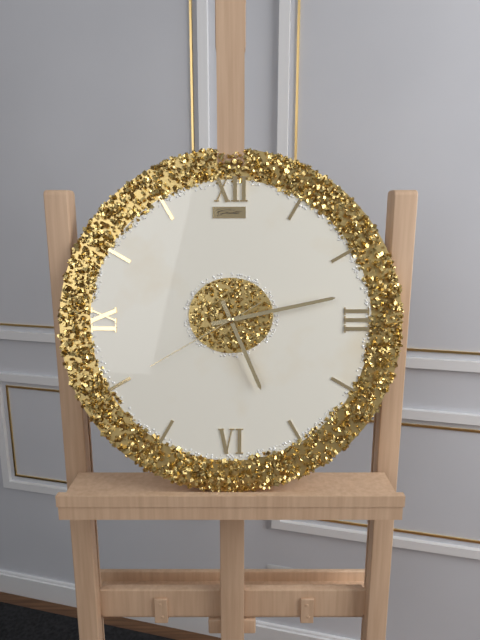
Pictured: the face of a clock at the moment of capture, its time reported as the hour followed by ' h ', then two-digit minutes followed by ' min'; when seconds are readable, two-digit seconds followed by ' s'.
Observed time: 5 h 13 min 40 s
